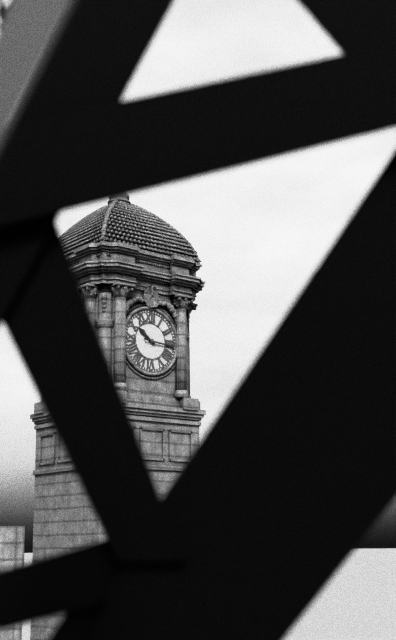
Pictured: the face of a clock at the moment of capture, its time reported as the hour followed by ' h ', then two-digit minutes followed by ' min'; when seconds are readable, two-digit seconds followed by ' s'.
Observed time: 10 h 16 min
